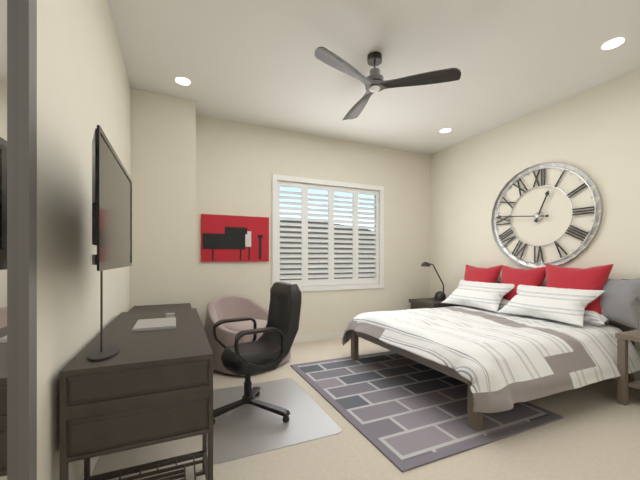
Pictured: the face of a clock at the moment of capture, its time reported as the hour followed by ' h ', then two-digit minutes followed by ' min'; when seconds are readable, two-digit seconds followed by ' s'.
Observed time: 12 h 46 min
